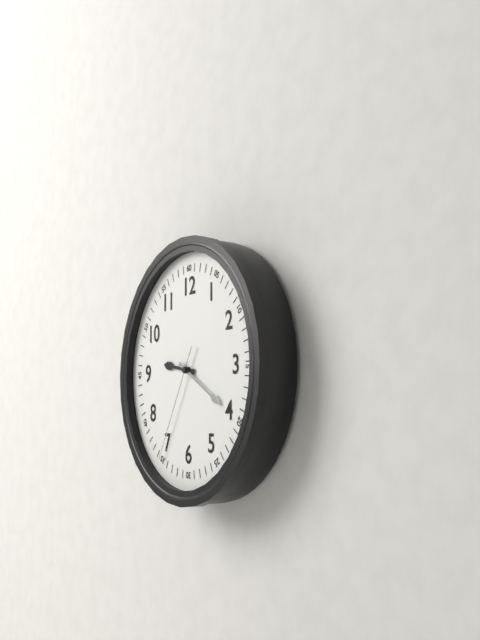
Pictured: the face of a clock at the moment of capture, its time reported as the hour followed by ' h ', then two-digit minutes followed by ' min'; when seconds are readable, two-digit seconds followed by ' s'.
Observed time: 9 h 20 min 35 s
